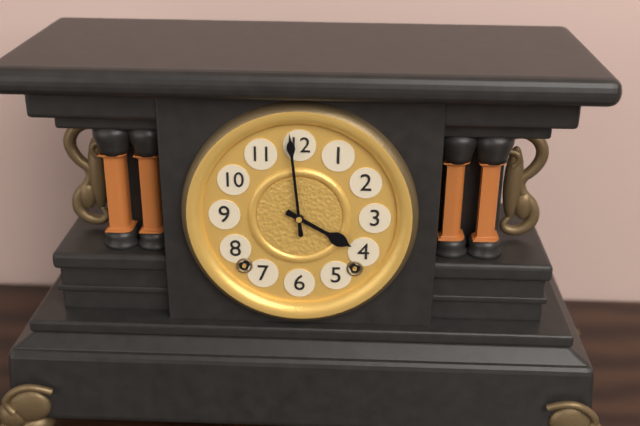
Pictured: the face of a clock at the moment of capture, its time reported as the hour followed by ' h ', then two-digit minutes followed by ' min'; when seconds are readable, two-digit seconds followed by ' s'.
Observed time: 3 h 59 min
